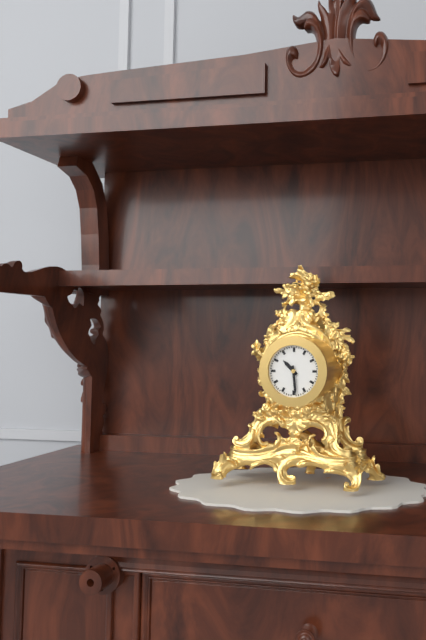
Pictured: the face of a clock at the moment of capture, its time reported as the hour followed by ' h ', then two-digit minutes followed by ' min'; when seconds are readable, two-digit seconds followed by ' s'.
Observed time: 10 h 29 min
